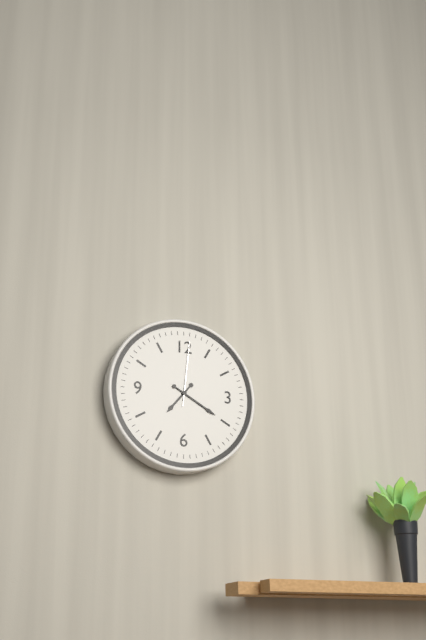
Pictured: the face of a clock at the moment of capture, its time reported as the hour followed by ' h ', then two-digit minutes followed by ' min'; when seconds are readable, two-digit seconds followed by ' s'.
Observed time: 7 h 20 min 01 s
